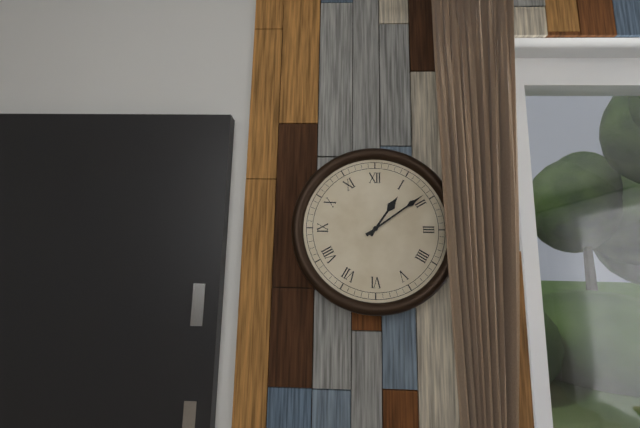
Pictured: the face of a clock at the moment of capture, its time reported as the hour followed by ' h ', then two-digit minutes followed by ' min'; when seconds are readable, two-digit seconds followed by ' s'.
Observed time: 1 h 09 min
